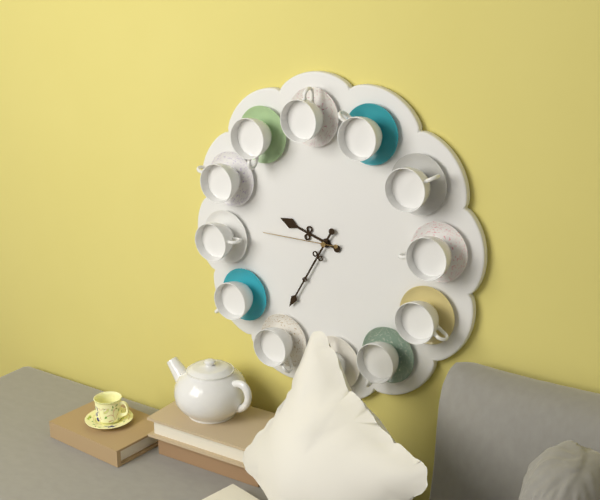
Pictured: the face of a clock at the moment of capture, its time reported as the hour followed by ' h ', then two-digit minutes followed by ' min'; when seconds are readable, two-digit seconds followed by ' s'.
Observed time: 9 h 35 min 45 s
